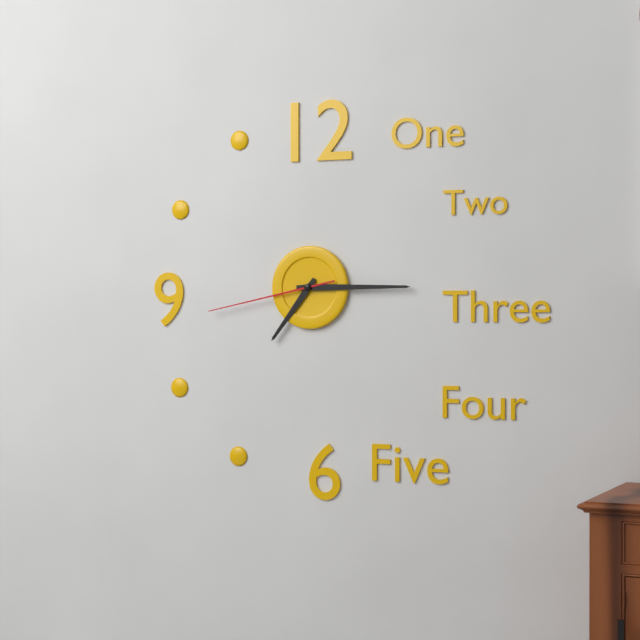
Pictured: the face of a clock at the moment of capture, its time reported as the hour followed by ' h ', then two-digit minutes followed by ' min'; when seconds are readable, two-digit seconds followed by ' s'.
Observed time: 7 h 15 min 43 s
